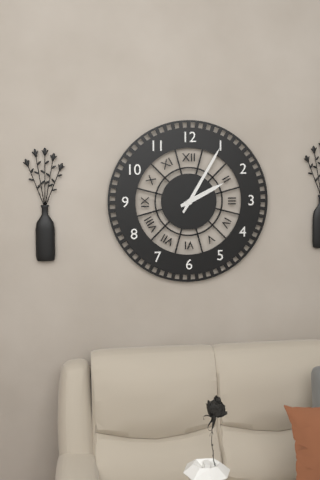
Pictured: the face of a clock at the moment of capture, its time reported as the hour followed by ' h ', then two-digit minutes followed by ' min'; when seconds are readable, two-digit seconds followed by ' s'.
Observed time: 2 h 05 min
